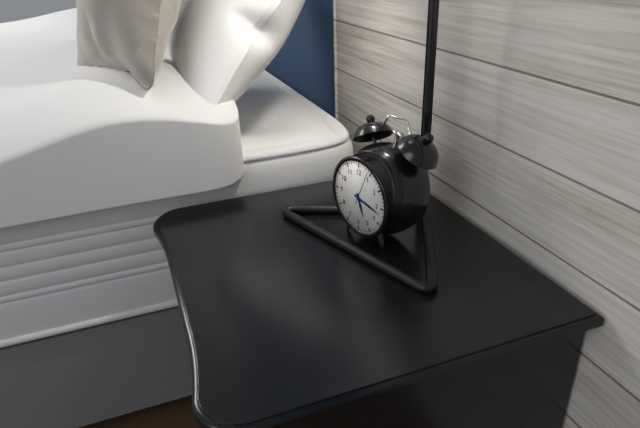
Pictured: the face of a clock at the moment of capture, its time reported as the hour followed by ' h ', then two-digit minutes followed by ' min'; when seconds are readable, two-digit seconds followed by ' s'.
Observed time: 5 h 17 min
